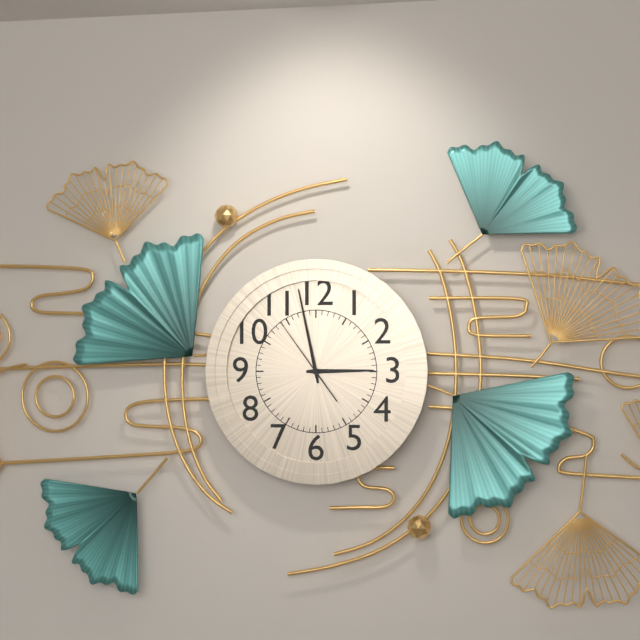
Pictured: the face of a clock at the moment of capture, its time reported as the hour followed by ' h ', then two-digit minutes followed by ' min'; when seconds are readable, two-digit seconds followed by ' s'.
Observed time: 2 h 58 min 54 s
